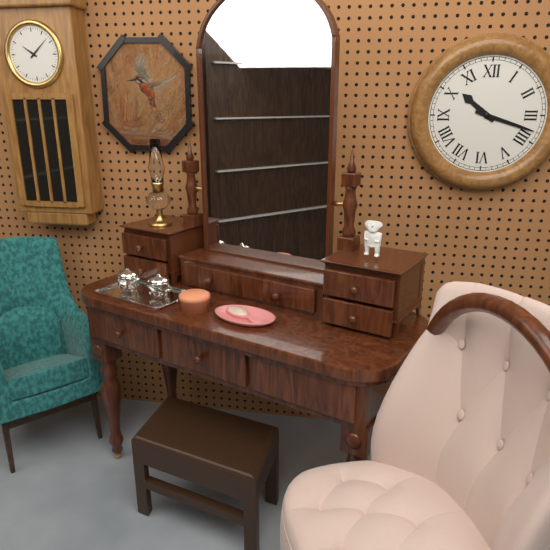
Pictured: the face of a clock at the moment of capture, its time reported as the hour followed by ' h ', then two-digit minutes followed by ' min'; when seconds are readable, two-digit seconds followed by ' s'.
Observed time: 10 h 18 min
